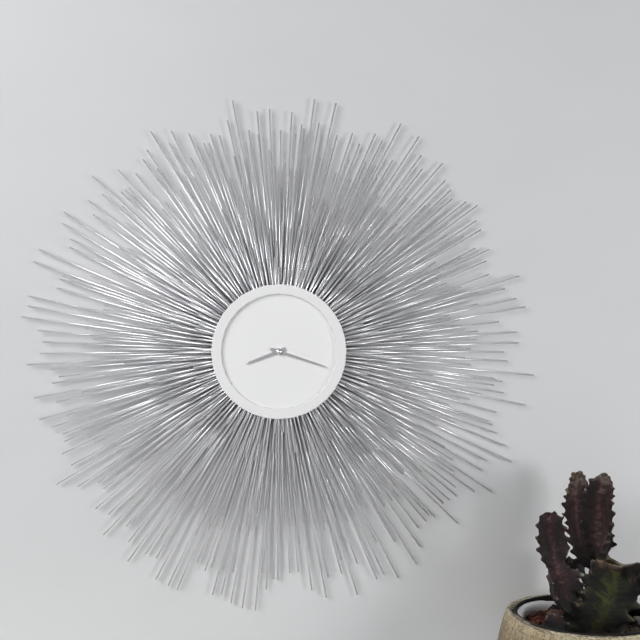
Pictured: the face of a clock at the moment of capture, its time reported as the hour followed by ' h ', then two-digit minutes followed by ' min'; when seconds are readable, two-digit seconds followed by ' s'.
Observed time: 8 h 18 min
